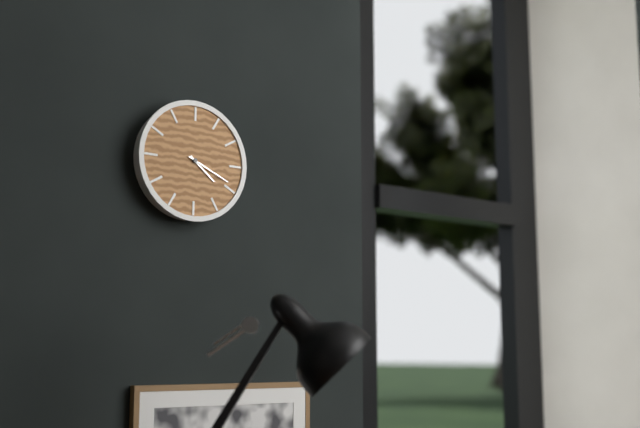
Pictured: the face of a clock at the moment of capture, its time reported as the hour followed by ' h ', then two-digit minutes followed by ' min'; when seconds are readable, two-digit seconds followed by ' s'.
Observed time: 4 h 19 min
